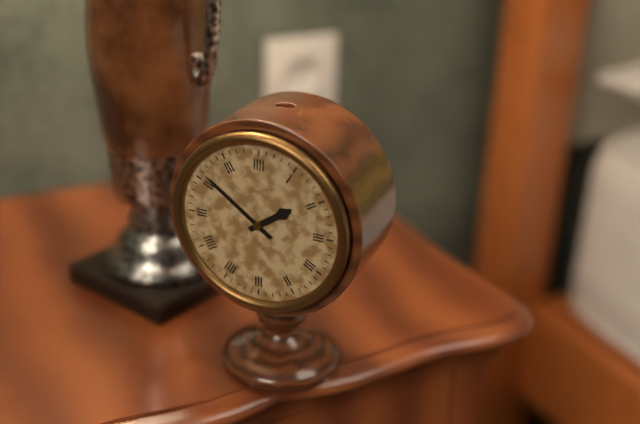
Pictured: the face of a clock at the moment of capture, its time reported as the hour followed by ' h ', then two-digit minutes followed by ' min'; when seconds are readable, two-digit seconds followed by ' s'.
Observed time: 1 h 51 min
